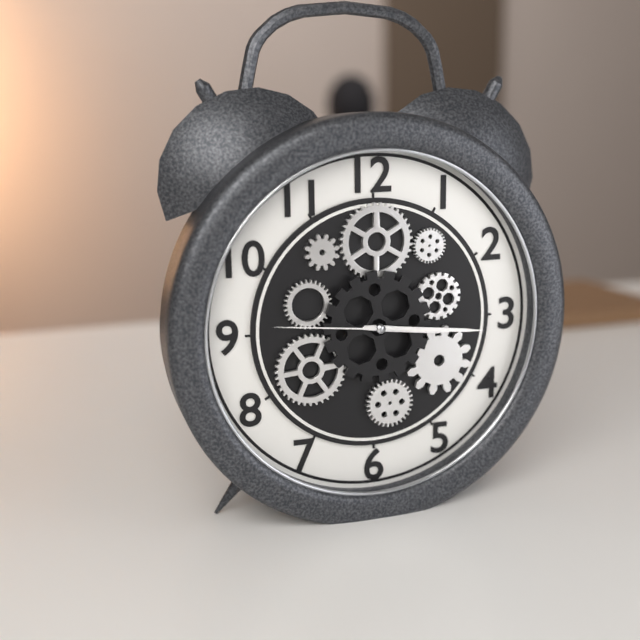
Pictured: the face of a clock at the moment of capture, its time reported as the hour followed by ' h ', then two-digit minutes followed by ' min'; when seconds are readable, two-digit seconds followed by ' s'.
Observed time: 3 h 16 min 46 s
